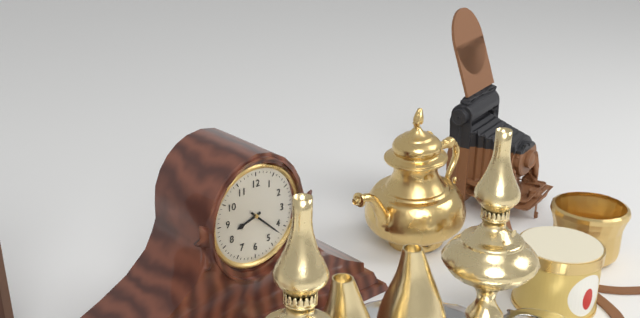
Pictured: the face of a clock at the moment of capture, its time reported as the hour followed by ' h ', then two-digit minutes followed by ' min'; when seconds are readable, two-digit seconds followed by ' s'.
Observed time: 8 h 22 min
